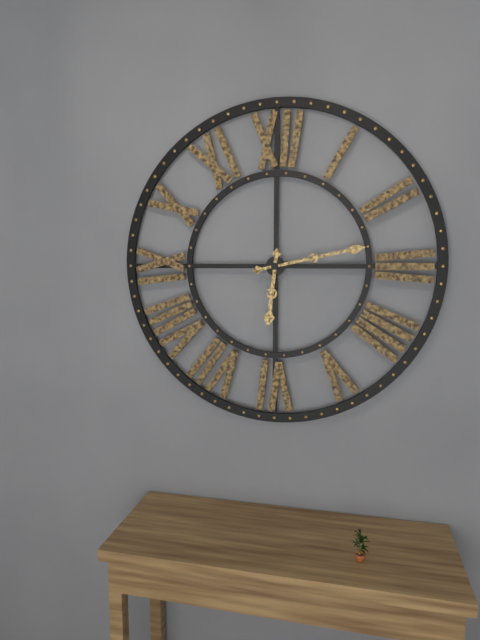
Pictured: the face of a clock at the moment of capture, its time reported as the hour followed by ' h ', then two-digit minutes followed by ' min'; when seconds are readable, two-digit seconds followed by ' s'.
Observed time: 6 h 13 min
